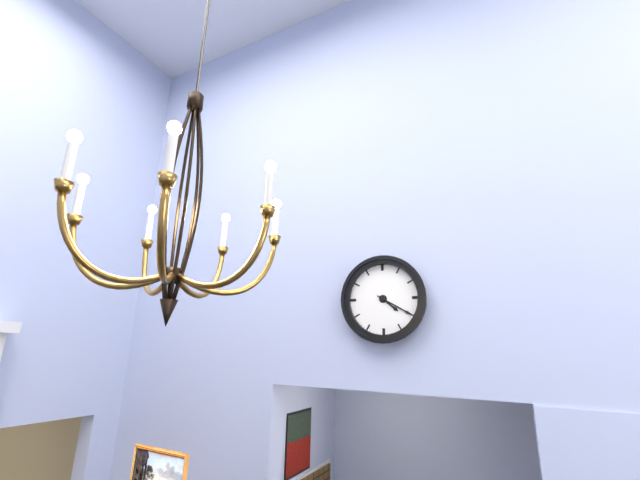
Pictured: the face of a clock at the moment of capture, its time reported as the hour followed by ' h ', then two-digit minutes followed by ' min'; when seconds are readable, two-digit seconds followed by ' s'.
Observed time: 4 h 20 min
